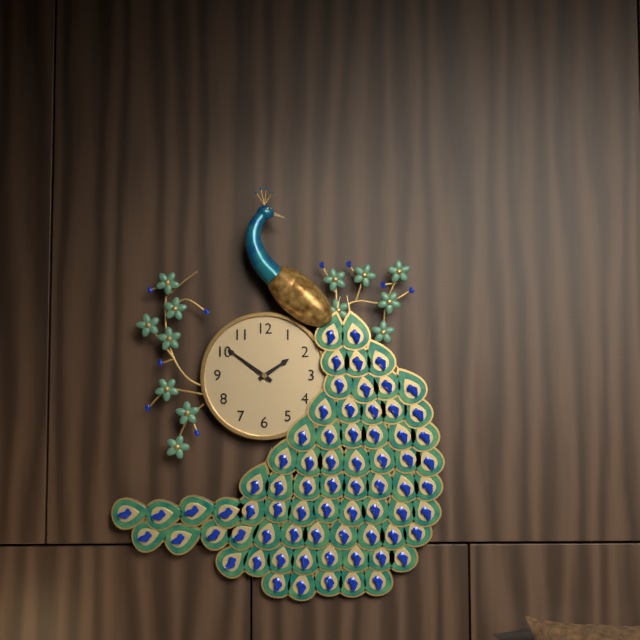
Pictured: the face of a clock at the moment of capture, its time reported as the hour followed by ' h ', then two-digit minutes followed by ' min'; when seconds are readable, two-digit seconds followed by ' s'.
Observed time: 1 h 51 min
